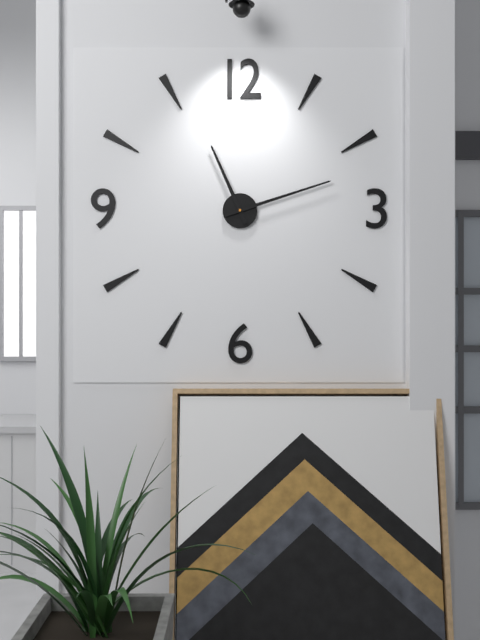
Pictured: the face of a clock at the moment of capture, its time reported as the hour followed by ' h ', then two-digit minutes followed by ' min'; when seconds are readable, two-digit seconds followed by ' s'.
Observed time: 11 h 12 min
